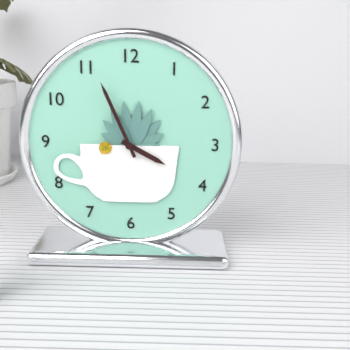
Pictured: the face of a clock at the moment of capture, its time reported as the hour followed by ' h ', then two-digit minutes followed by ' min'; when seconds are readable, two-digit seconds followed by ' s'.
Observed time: 3 h 56 min
